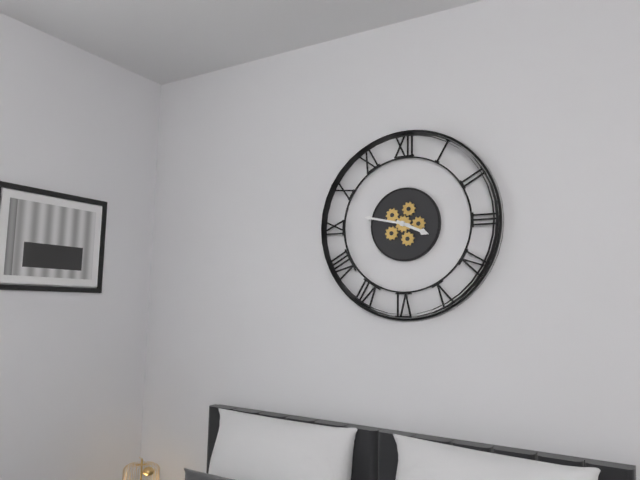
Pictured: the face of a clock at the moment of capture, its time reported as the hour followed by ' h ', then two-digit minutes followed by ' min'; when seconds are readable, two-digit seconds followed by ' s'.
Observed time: 3 h 47 min
